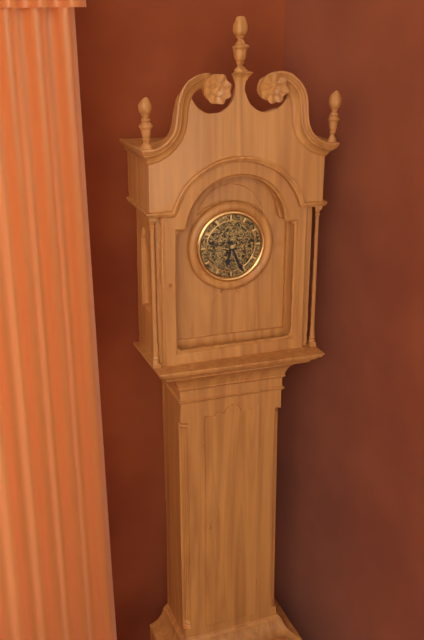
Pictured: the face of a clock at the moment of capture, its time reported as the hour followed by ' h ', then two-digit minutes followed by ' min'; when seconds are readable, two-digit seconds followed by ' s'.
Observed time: 6 h 26 min
